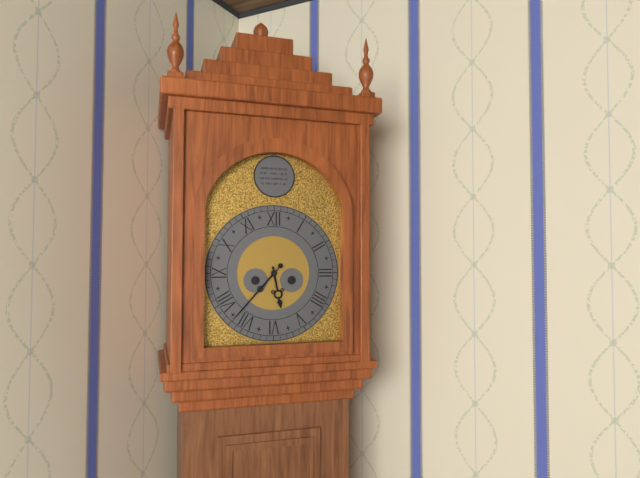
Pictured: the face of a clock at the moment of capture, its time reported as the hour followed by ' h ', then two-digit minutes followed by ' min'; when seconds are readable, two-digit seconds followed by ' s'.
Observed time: 5 h 37 min
